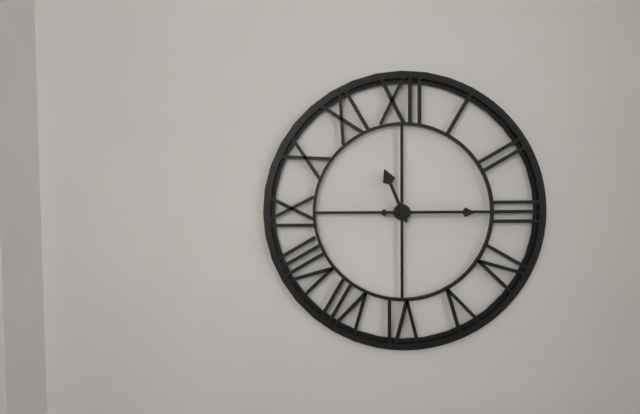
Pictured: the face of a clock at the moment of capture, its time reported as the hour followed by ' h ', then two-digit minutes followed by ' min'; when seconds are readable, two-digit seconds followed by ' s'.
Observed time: 11 h 15 min
